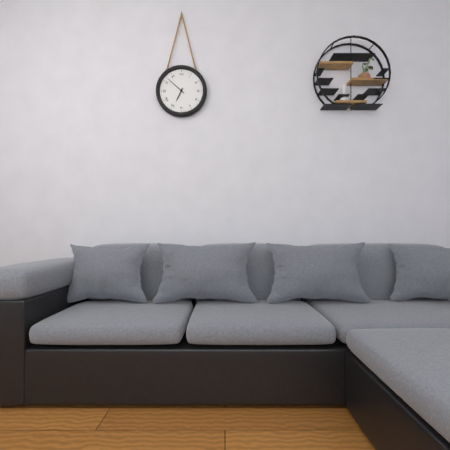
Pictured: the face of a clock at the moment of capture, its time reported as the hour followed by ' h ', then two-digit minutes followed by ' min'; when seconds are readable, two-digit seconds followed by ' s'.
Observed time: 6 h 52 min
